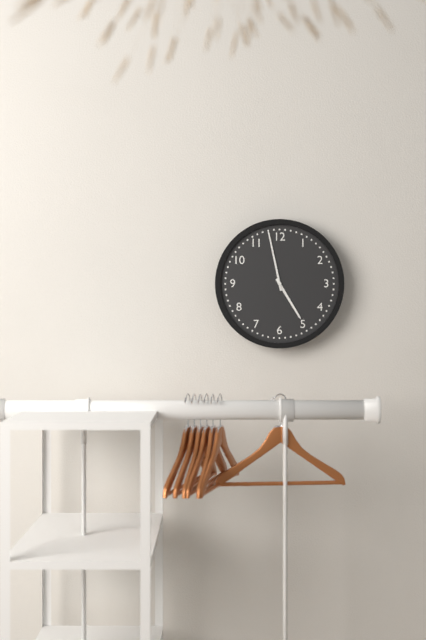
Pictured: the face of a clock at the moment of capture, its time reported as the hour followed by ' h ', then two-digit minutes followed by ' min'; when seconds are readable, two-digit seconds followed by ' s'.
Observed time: 4 h 58 min
